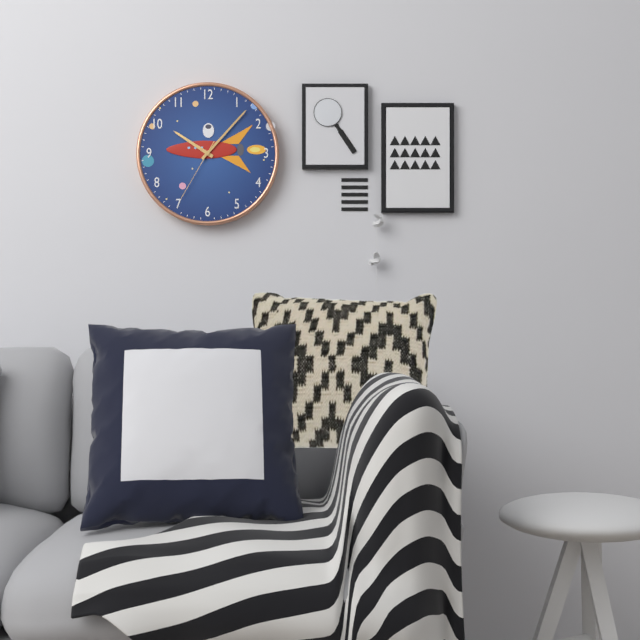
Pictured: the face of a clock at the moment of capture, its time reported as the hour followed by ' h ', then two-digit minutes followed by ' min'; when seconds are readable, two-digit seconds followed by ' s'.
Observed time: 10 h 07 min 35 s
